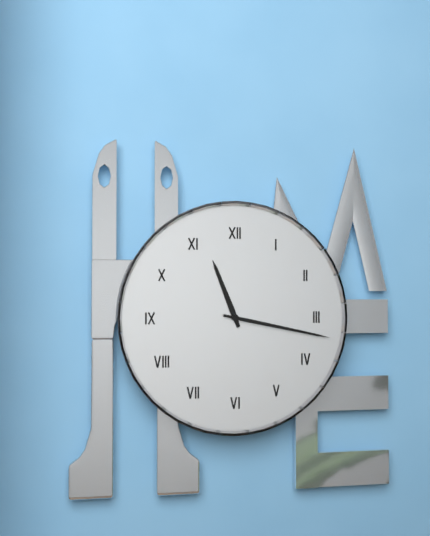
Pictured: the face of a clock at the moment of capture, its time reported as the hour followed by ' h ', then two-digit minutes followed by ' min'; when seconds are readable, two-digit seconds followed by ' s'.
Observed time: 11 h 17 min
